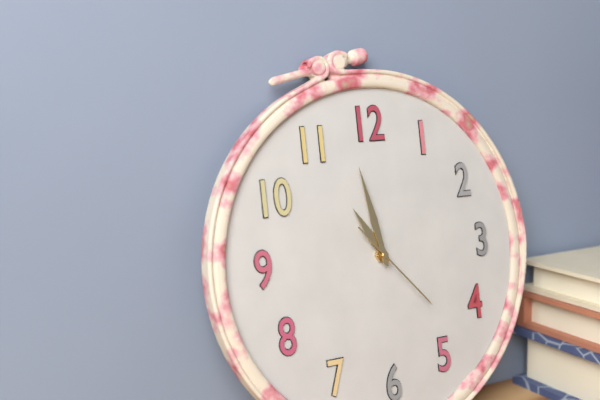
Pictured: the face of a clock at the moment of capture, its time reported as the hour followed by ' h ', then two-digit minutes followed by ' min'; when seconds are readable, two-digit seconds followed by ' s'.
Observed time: 10 h 58 min 23 s
